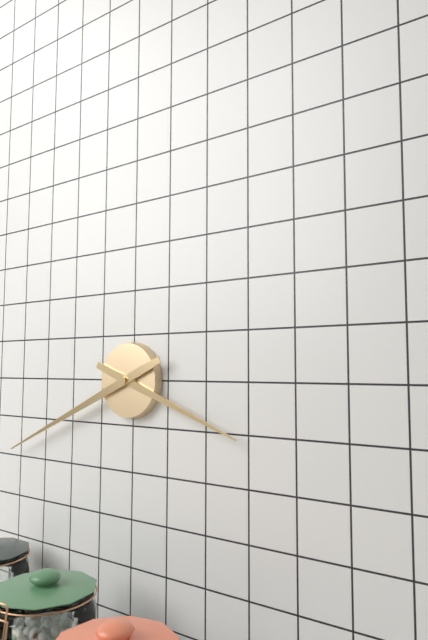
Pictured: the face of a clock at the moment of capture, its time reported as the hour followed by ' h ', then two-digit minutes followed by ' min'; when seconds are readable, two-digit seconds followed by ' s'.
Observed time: 3 h 41 min
